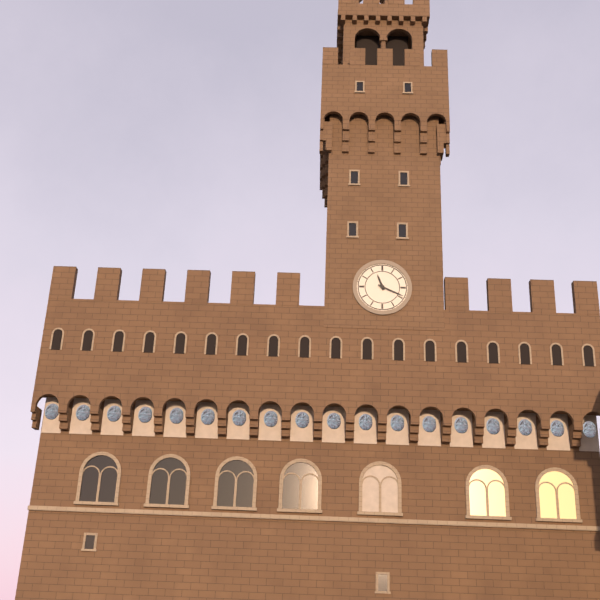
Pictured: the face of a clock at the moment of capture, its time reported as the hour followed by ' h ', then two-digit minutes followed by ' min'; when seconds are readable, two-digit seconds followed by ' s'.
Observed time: 11 h 19 min
